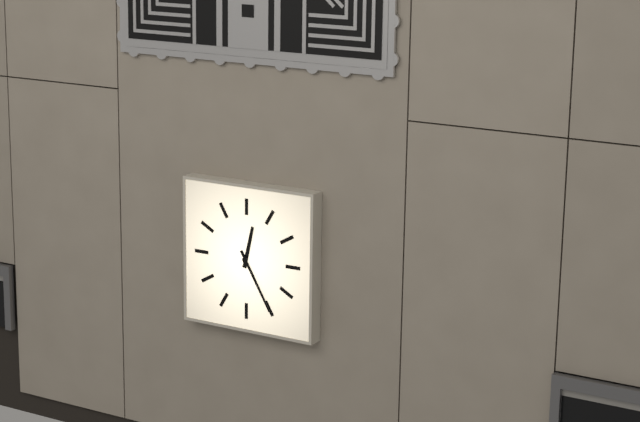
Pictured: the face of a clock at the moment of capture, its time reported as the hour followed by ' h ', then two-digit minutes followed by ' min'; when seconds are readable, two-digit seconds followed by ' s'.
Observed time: 12 h 25 min
